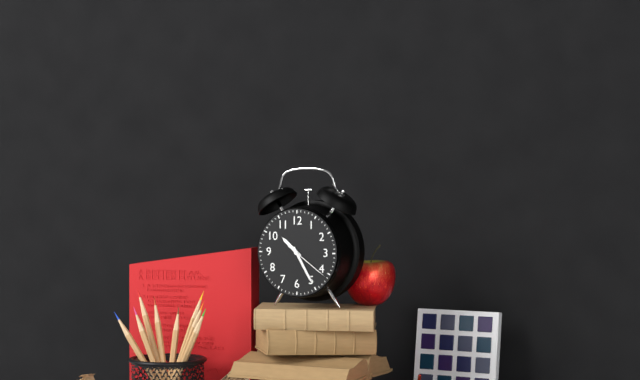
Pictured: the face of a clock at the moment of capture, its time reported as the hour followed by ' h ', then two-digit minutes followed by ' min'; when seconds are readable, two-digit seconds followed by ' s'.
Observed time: 10 h 25 min
